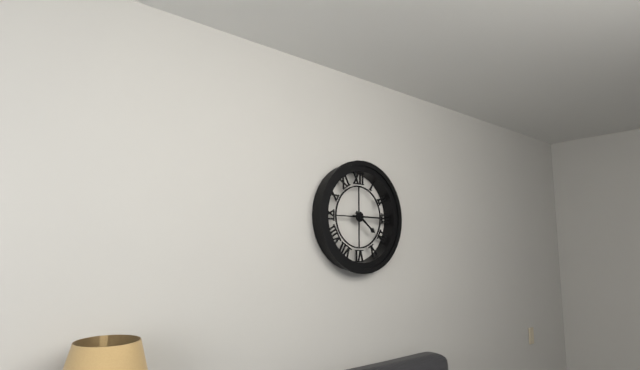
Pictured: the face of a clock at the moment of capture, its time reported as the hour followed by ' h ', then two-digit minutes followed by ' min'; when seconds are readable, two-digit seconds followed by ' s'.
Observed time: 4 h 15 min
